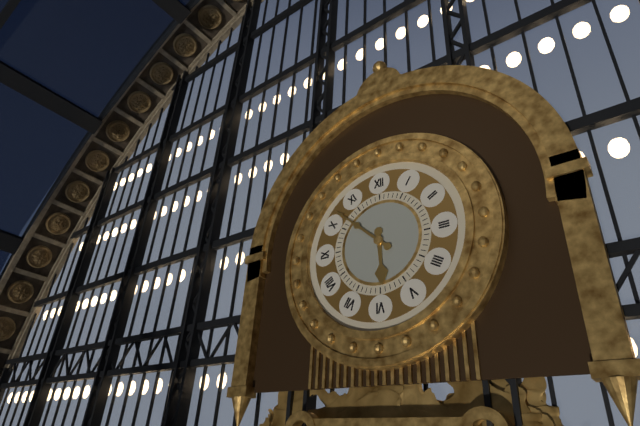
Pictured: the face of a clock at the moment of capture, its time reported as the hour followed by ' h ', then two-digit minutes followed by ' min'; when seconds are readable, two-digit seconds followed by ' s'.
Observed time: 5 h 52 min
